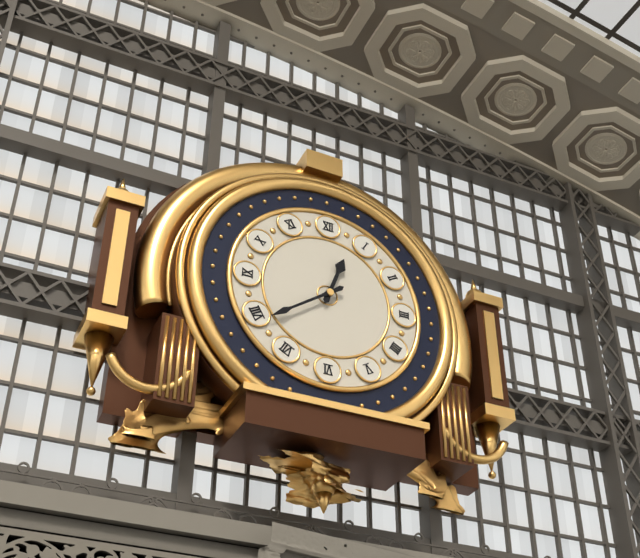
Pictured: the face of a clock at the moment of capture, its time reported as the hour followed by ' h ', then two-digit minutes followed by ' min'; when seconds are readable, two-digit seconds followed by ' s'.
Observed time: 12 h 39 min
